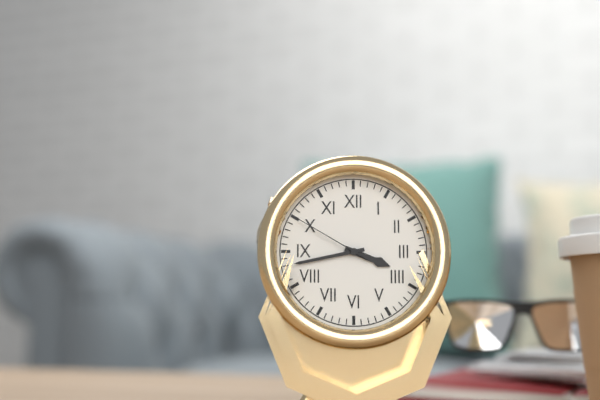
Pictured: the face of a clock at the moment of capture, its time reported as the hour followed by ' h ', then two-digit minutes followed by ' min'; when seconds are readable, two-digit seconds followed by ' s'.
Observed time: 3 h 43 min 50 s
